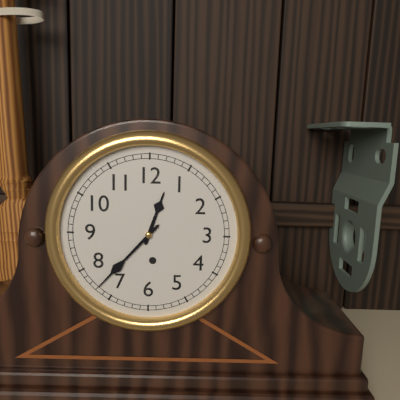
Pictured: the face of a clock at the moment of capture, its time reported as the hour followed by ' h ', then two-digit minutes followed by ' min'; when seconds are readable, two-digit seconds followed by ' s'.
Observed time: 12 h 37 min
